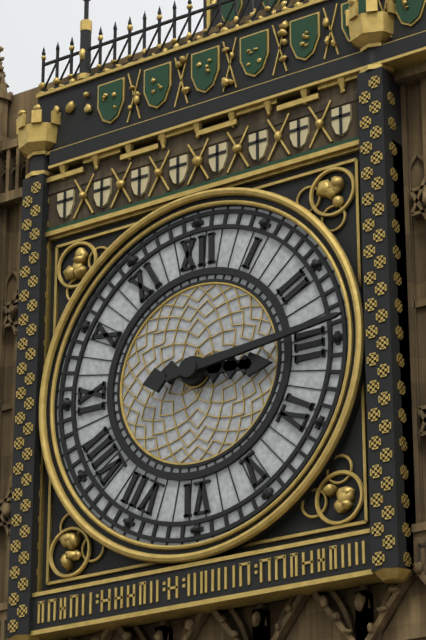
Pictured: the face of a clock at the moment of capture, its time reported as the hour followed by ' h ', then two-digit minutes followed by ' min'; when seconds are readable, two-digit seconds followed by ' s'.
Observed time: 3 h 14 min
